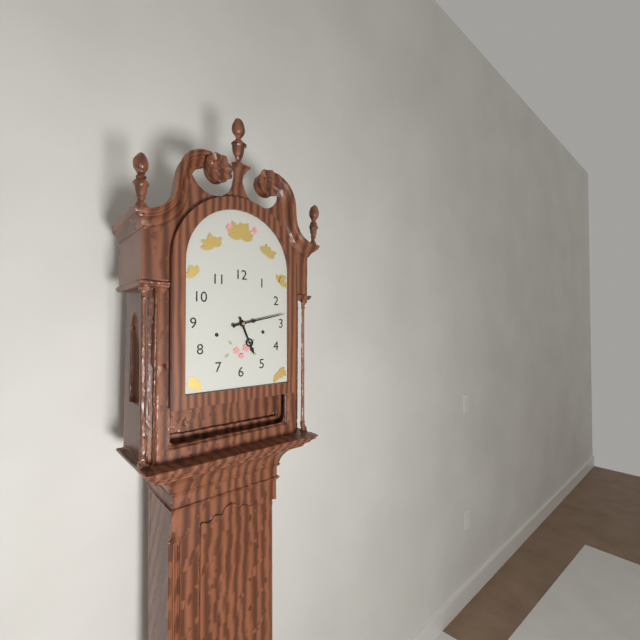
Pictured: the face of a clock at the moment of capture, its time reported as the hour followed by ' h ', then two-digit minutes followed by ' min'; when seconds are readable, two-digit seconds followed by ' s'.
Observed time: 5 h 13 min
